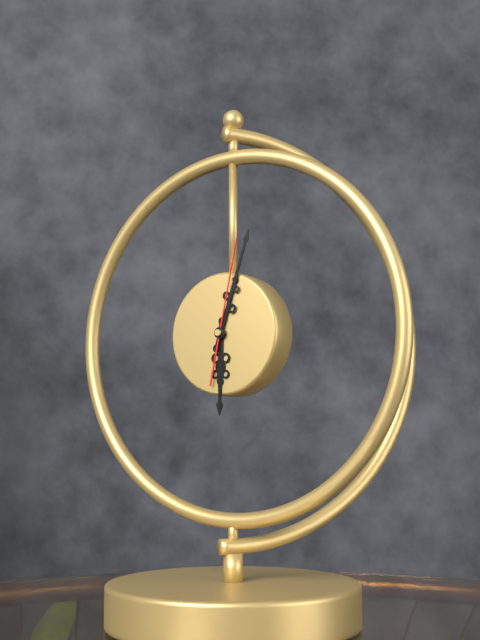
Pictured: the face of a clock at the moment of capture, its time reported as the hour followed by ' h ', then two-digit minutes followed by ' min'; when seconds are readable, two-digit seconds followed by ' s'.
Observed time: 6 h 03 min 02 s
